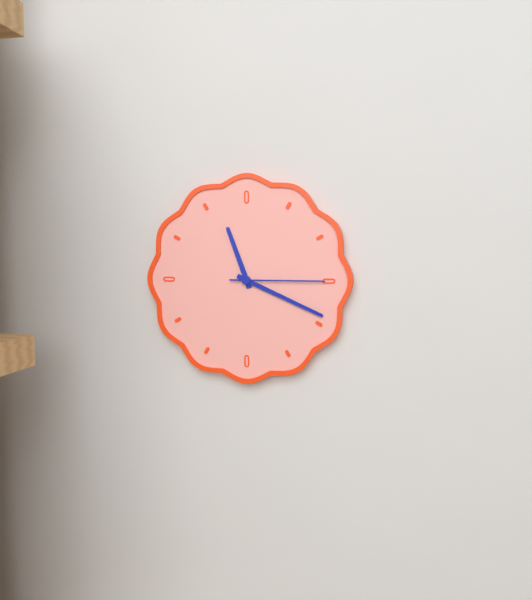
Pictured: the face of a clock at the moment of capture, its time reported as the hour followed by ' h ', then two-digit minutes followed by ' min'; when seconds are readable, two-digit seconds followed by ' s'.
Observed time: 11 h 19 min 15 s
